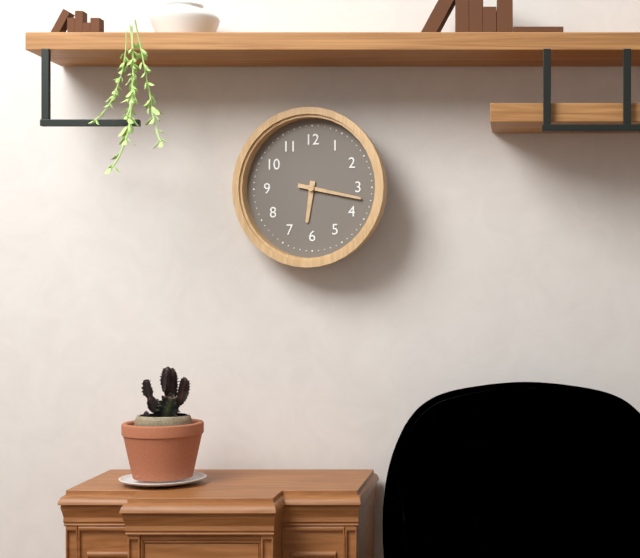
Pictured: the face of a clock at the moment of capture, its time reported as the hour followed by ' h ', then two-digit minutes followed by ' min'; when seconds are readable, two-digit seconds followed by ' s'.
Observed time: 6 h 17 min
